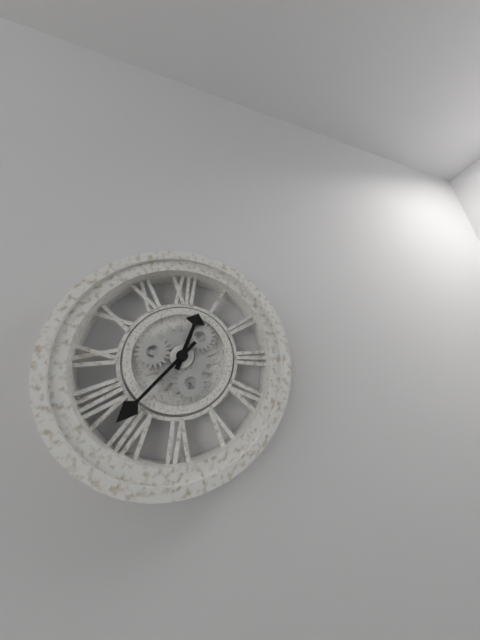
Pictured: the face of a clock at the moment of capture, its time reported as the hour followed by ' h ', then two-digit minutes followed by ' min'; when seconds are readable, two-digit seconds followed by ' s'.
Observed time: 12 h 37 min
